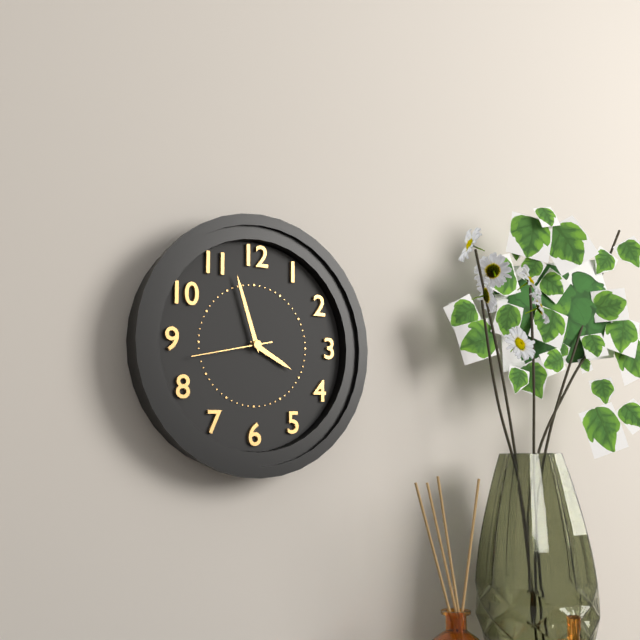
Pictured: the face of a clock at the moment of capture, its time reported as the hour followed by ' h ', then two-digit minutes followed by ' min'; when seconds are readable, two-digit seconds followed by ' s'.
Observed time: 3 h 57 min 43 s
